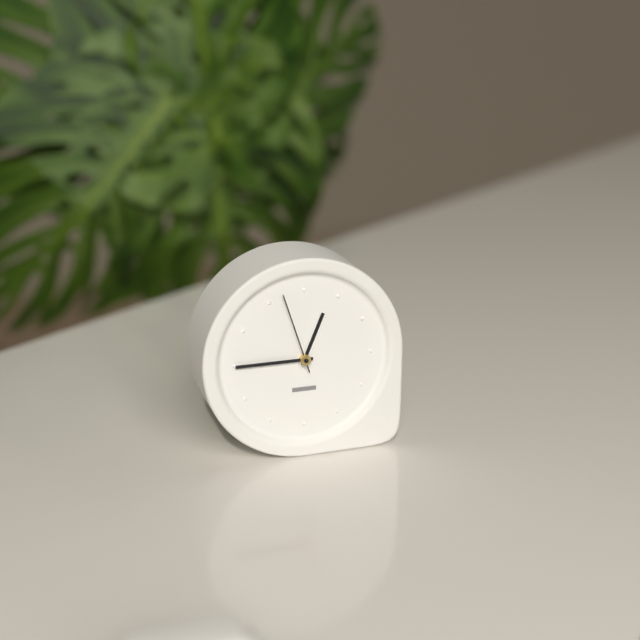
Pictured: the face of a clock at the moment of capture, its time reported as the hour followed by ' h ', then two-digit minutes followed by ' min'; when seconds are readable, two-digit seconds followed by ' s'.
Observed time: 12 h 45 min 57 s
